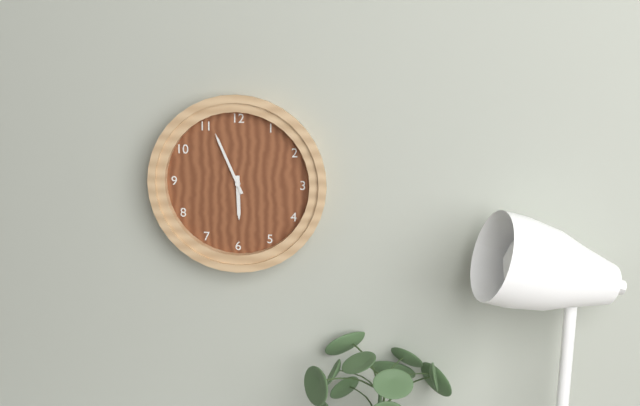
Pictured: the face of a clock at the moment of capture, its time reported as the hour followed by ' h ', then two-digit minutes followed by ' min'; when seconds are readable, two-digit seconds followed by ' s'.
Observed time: 5 h 56 min
